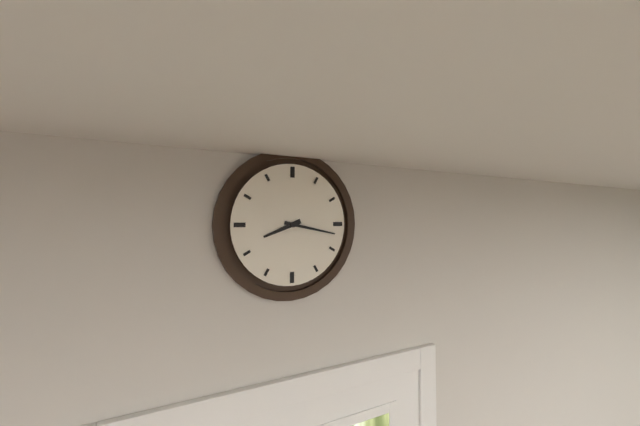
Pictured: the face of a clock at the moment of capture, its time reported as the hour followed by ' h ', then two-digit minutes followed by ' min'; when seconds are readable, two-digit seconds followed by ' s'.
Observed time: 8 h 17 min
